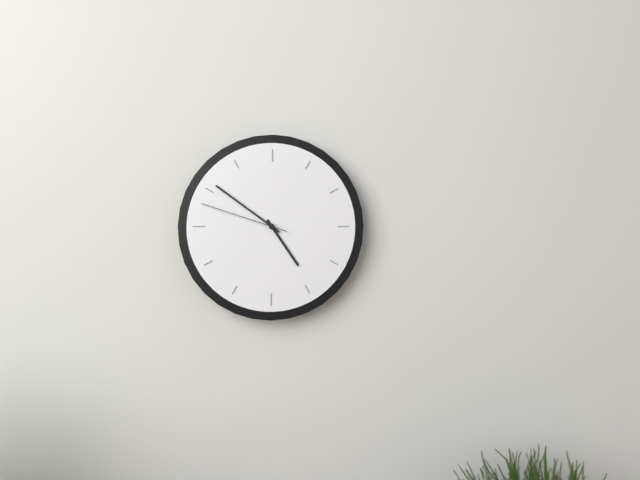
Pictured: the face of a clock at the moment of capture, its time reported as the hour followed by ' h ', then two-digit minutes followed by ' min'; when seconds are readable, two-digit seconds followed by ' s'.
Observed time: 4 h 51 min 48 s
